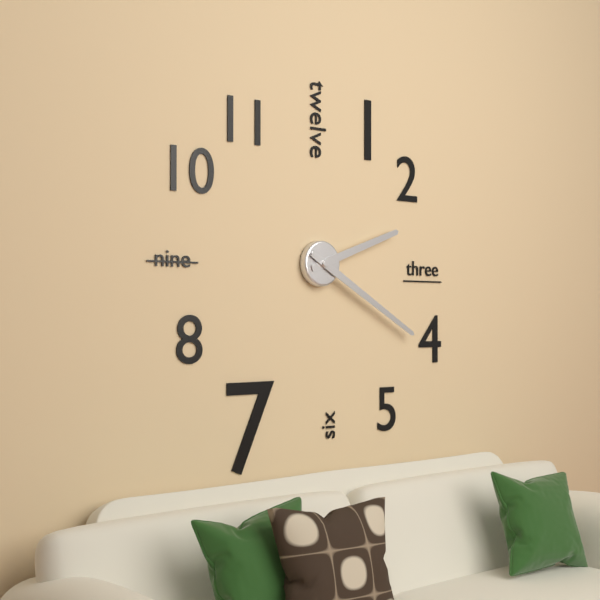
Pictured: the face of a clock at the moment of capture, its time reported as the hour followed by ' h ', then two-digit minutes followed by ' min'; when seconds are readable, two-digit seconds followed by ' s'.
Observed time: 2 h 20 min
